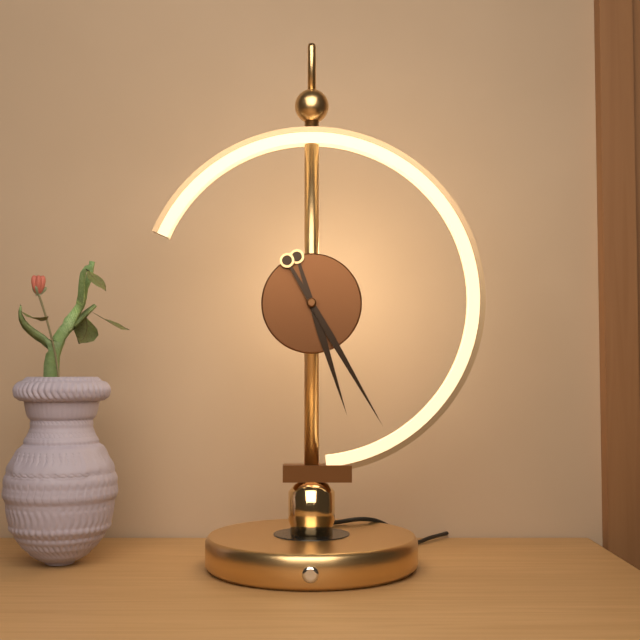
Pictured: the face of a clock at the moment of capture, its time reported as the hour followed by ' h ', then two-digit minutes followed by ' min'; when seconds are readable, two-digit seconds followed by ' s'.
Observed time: 5 h 25 min
